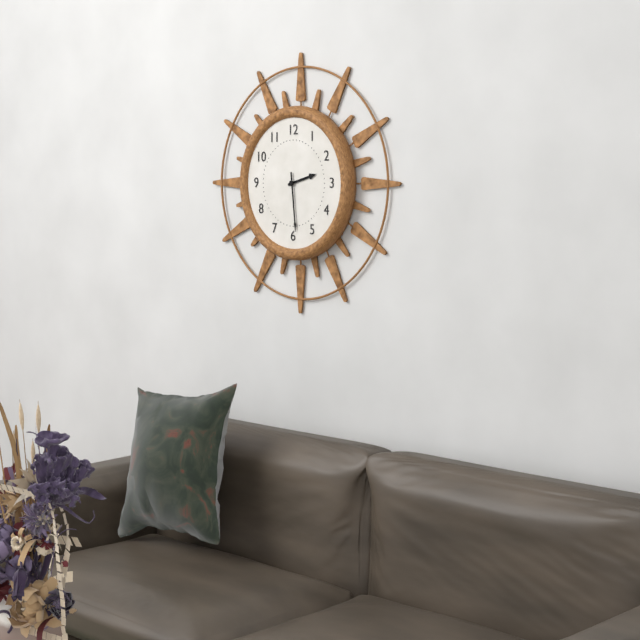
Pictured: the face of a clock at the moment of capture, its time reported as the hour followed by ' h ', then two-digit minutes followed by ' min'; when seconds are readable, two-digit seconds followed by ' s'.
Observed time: 2 h 29 min
